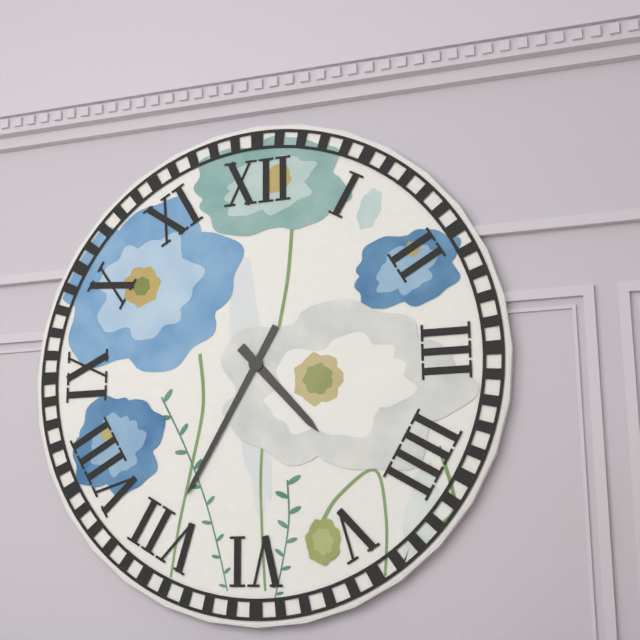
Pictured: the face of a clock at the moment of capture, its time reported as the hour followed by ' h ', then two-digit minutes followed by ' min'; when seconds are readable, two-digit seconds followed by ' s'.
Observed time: 4 h 35 min
